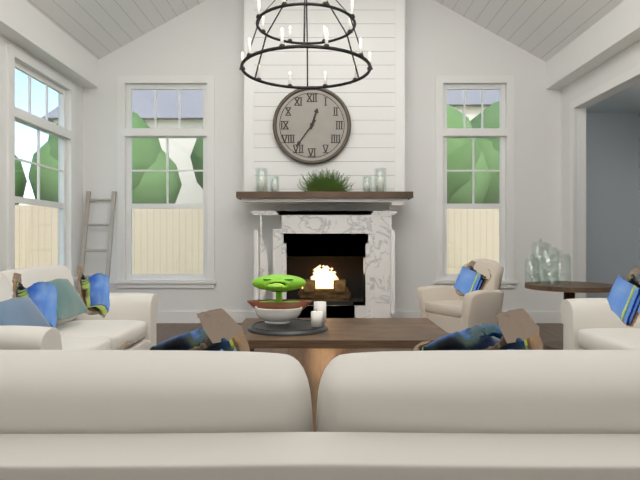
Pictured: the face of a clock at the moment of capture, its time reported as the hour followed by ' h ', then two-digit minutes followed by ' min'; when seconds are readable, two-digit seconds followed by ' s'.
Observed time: 12 h 36 min
